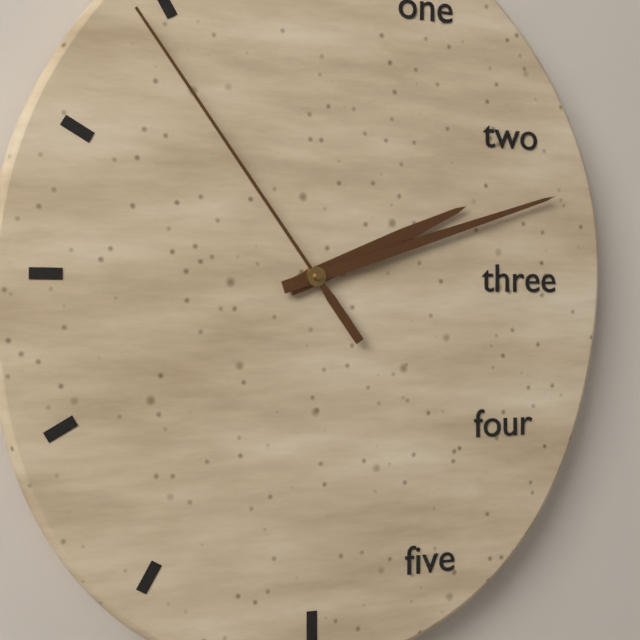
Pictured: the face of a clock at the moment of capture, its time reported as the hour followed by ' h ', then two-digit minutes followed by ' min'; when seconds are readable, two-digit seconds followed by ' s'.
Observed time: 2 h 12 min 54 s
